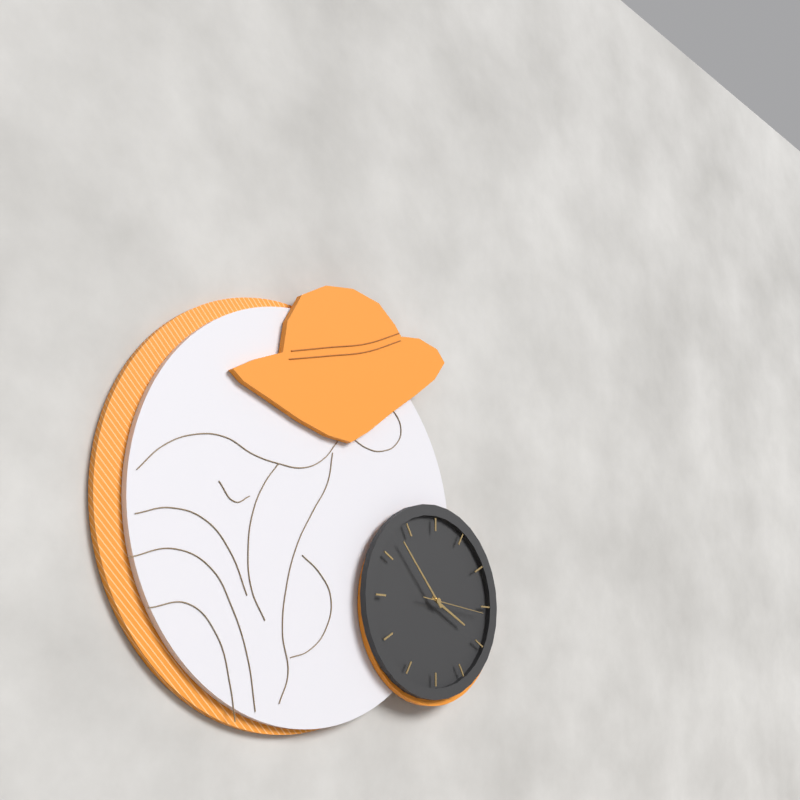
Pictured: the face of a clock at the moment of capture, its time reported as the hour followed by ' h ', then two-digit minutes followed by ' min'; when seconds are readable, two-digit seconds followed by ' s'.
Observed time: 3 h 53 min 16 s
